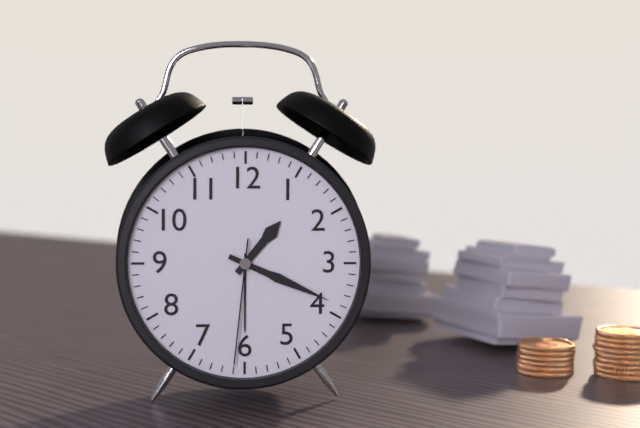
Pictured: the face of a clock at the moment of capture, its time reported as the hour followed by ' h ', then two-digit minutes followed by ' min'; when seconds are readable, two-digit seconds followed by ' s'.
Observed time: 1 h 19 min 31 s
